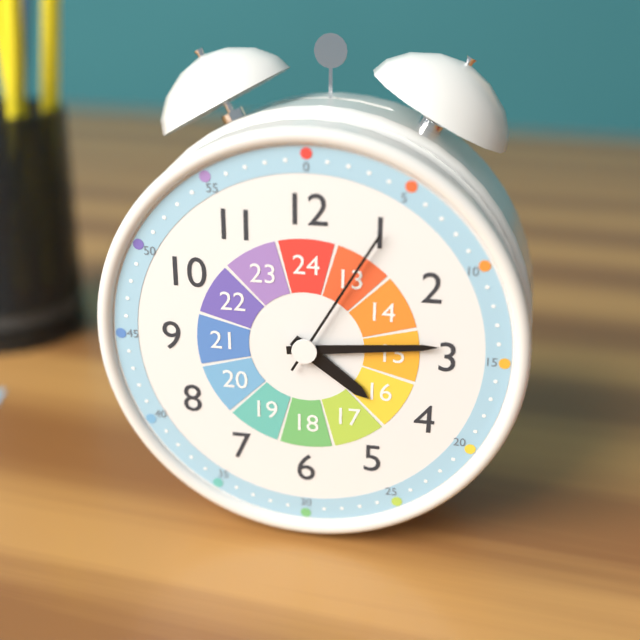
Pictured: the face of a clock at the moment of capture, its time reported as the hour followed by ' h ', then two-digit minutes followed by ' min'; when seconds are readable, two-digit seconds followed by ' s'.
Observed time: 4 h 14 min 05 s
